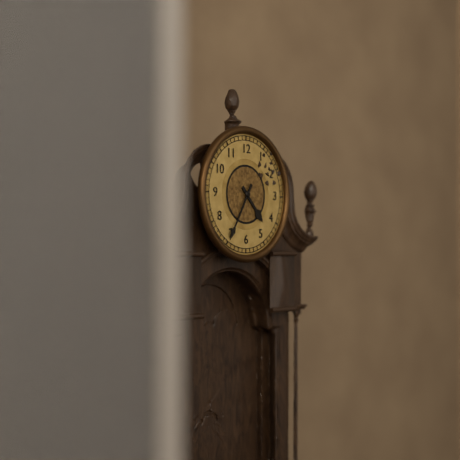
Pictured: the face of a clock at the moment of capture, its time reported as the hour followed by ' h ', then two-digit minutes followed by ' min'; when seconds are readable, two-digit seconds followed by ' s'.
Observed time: 4 h 35 min
